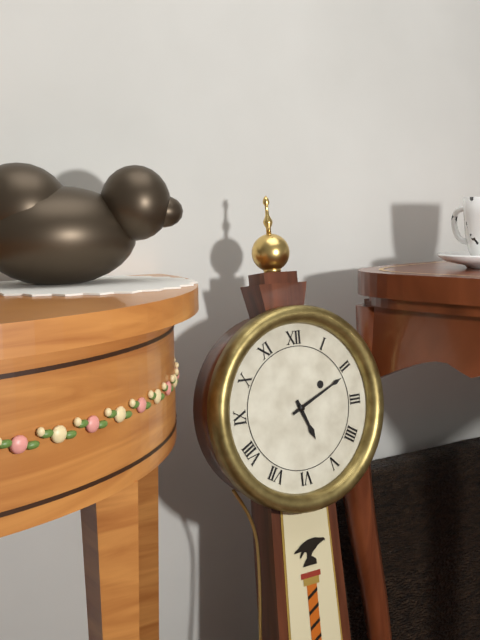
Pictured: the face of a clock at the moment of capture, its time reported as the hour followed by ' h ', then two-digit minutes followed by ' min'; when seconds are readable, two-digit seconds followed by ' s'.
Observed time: 5 h 11 min
